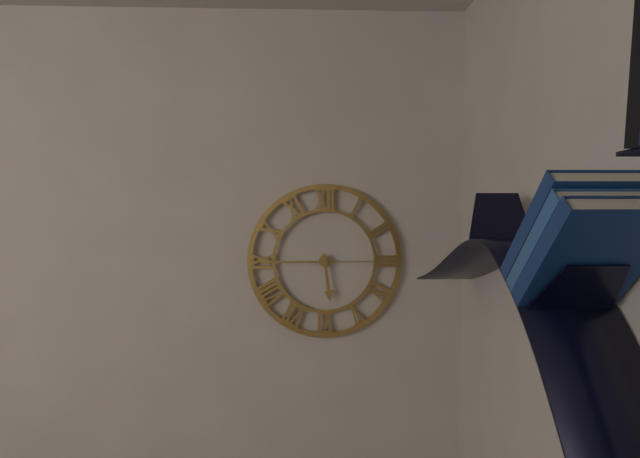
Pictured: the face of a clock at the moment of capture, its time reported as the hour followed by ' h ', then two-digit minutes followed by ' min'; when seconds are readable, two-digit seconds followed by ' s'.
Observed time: 5 h 45 min 15 s
